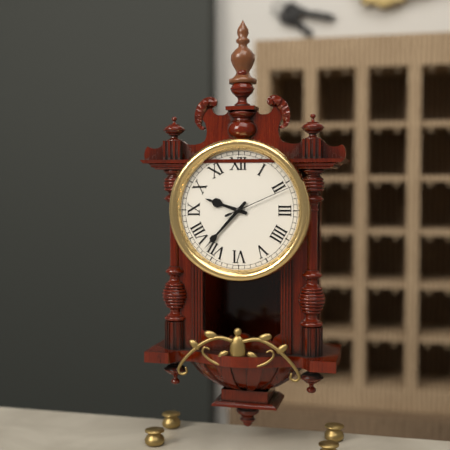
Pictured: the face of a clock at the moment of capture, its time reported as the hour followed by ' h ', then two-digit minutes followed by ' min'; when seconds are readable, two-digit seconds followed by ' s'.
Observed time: 9 h 37 min 11 s
